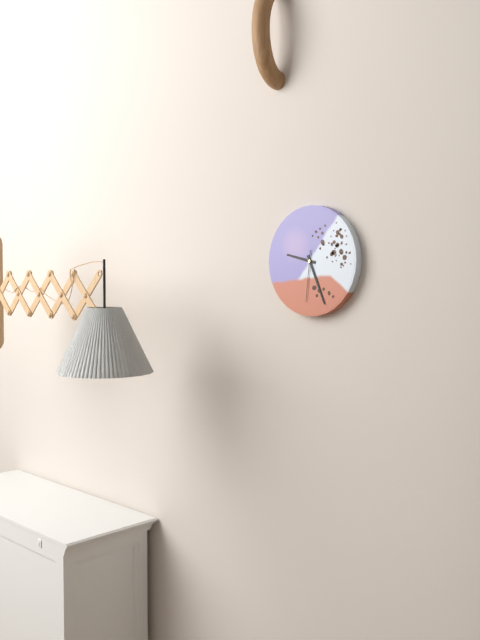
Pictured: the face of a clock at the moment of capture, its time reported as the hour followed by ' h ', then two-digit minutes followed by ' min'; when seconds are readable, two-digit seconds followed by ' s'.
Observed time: 9 h 26 min 31 s
